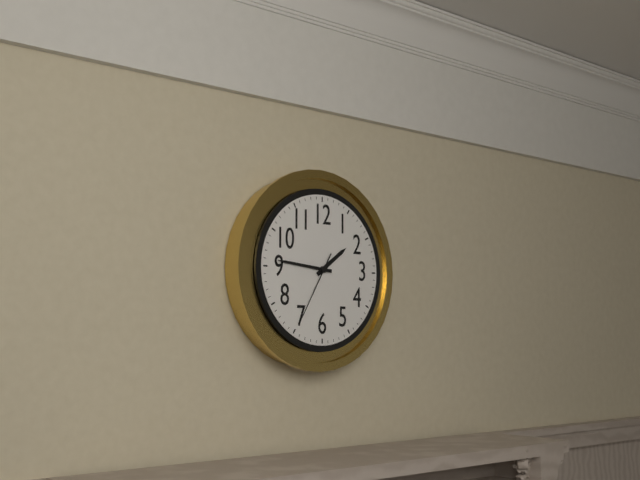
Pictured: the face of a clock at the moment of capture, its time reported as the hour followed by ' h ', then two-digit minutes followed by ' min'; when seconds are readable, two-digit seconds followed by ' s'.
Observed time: 1 h 46 min 35 s
